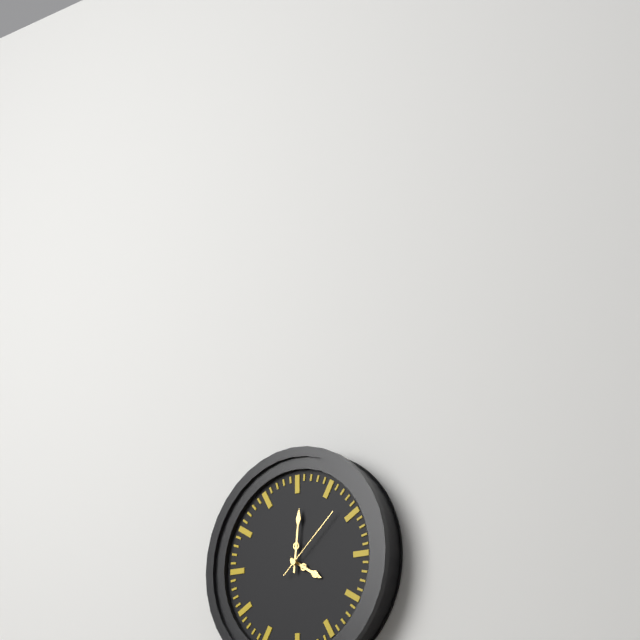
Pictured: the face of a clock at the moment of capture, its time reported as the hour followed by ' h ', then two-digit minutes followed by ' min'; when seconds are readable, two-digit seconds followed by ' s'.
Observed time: 4 h 01 min 08 s
